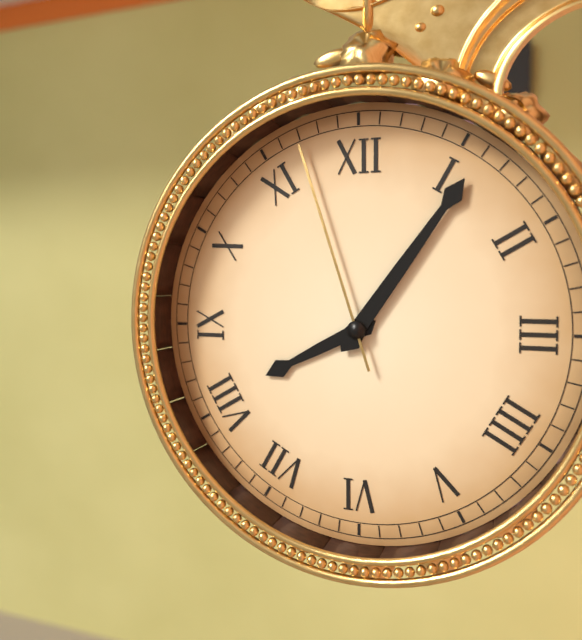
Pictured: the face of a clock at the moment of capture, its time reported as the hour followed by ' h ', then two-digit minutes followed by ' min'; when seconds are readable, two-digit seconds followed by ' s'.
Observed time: 8 h 06 min 57 s
